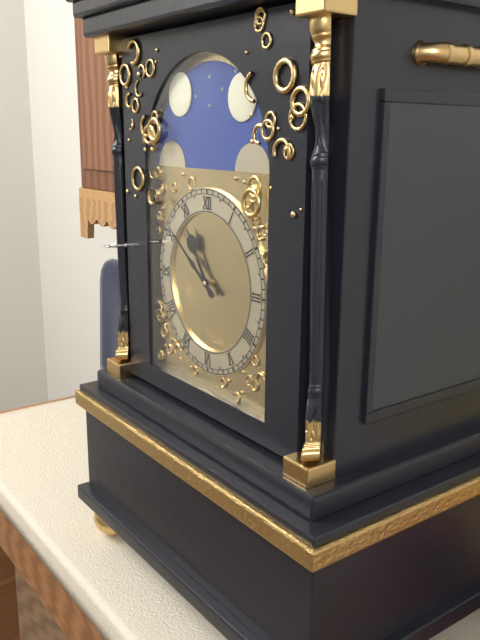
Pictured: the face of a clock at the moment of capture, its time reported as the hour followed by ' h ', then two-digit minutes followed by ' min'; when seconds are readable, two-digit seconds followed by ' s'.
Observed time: 10 h 51 min
